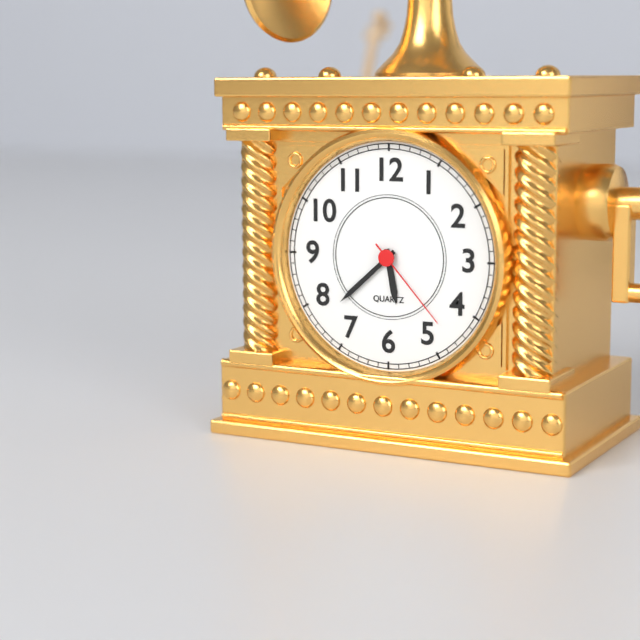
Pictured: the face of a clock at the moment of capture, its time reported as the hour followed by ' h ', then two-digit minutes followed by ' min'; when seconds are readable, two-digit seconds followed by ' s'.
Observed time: 5 h 38 min 23 s
